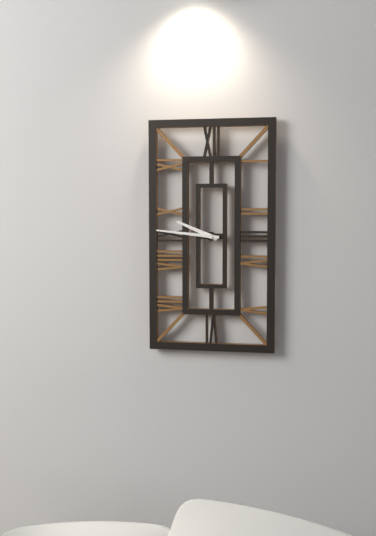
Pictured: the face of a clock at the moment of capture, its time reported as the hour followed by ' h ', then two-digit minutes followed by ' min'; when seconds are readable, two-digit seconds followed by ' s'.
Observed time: 9 h 46 min
